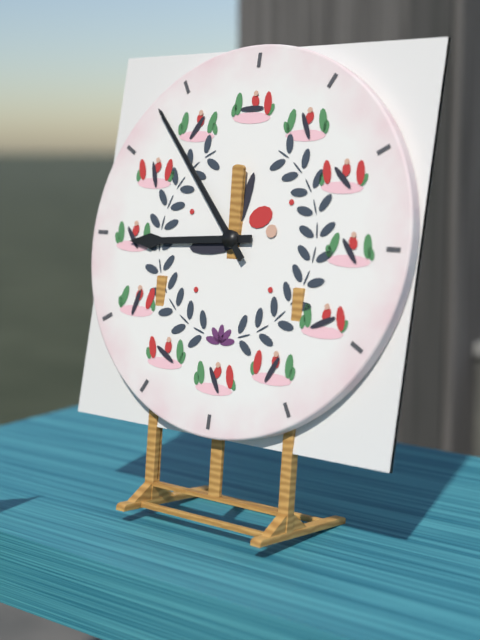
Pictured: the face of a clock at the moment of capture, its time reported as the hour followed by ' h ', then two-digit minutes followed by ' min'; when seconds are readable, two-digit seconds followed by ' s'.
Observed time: 8 h 53 min
